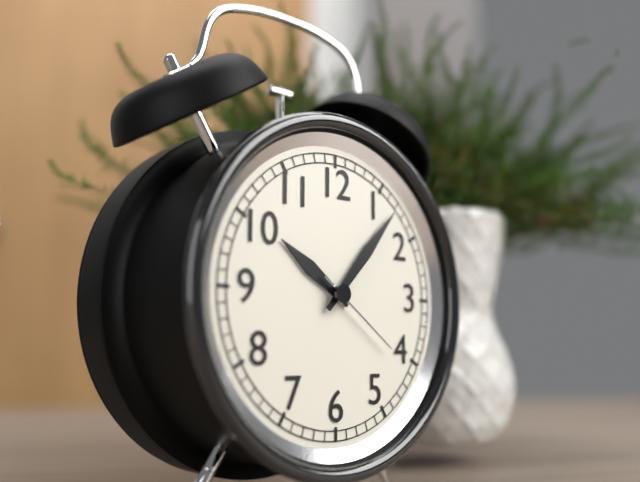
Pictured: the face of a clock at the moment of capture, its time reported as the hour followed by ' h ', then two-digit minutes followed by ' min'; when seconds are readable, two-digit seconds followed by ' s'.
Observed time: 10 h 07 min 21 s
